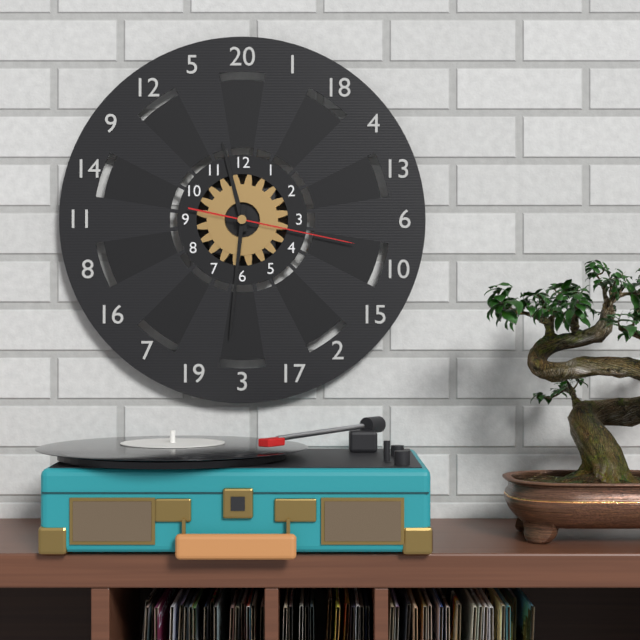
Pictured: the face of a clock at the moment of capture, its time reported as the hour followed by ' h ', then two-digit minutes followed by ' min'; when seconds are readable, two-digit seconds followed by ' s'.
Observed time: 11 h 31 min 17 s
